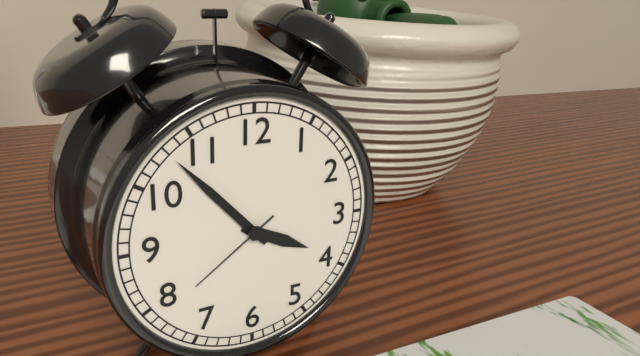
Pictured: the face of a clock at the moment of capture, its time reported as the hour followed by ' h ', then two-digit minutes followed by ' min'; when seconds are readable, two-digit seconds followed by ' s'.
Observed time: 3 h 53 min 39 s
